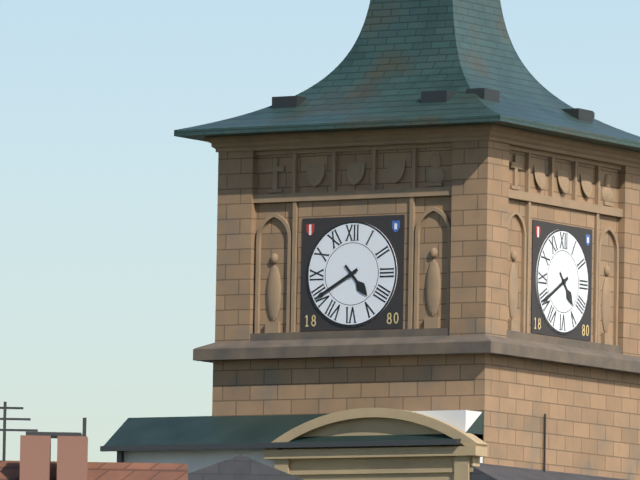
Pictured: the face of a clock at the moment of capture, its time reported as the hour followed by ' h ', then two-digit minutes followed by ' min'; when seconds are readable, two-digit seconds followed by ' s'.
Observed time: 4 h 40 min
